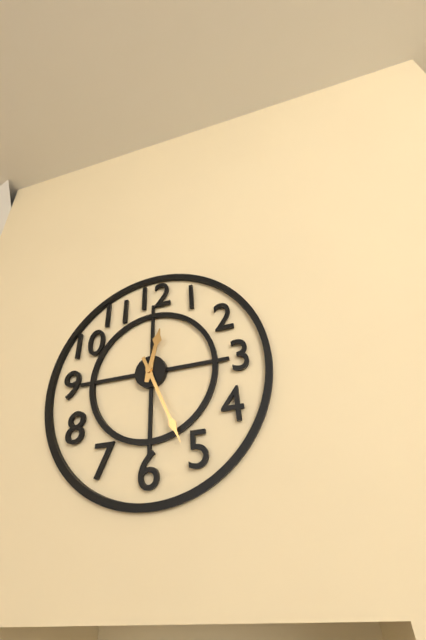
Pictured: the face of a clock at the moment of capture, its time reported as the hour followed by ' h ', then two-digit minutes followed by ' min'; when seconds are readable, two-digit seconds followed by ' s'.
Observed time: 12 h 26 min
